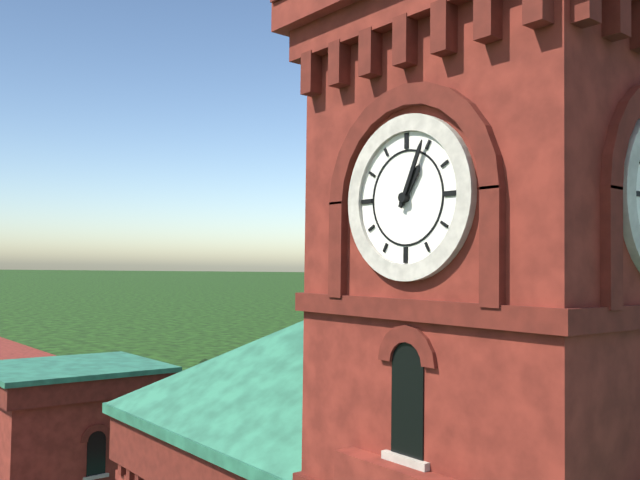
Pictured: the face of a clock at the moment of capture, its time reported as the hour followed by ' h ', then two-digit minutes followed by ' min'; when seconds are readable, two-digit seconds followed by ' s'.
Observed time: 1 h 04 min
